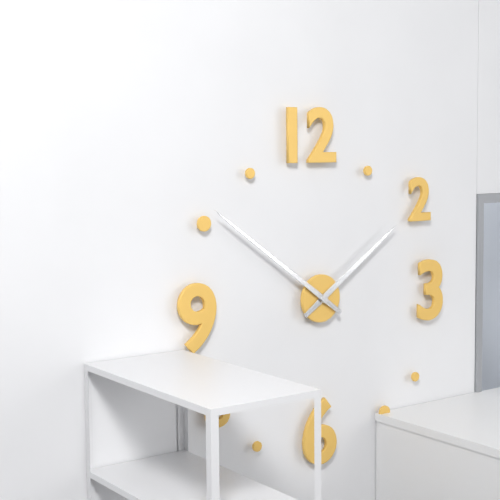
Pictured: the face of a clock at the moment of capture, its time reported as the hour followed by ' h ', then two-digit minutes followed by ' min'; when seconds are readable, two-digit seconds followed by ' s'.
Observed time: 1 h 51 min
